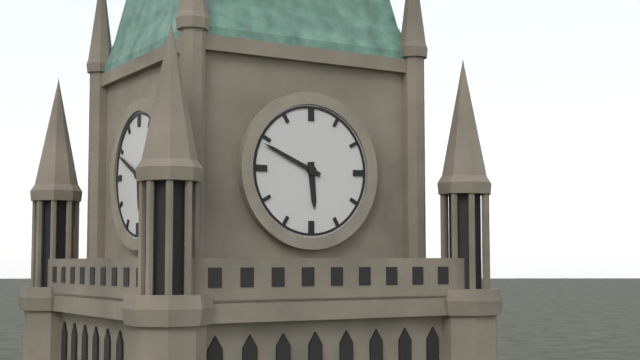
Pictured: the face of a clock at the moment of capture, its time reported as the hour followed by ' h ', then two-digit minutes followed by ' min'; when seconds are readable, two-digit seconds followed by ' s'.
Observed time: 5 h 49 min
